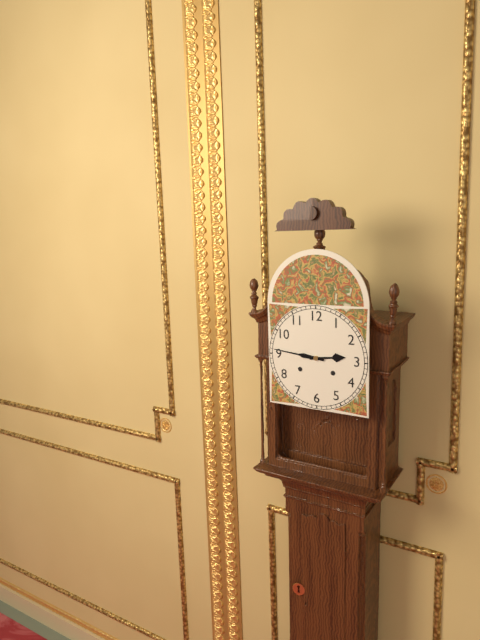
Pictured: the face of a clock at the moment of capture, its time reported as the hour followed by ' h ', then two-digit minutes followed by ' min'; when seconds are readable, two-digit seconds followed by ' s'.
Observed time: 2 h 46 min
